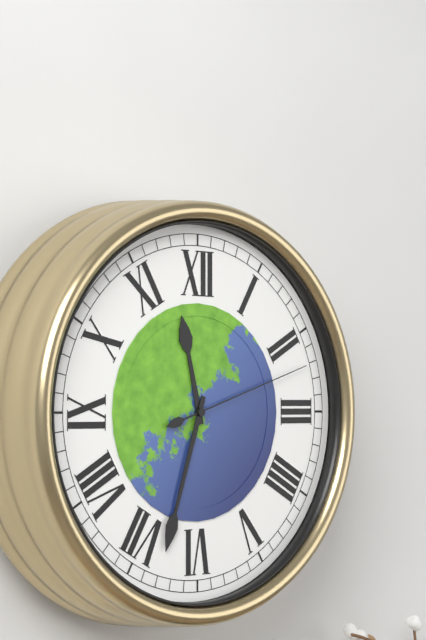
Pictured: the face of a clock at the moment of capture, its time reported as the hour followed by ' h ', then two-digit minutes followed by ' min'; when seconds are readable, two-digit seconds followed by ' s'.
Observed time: 11 h 33 min 12 s
